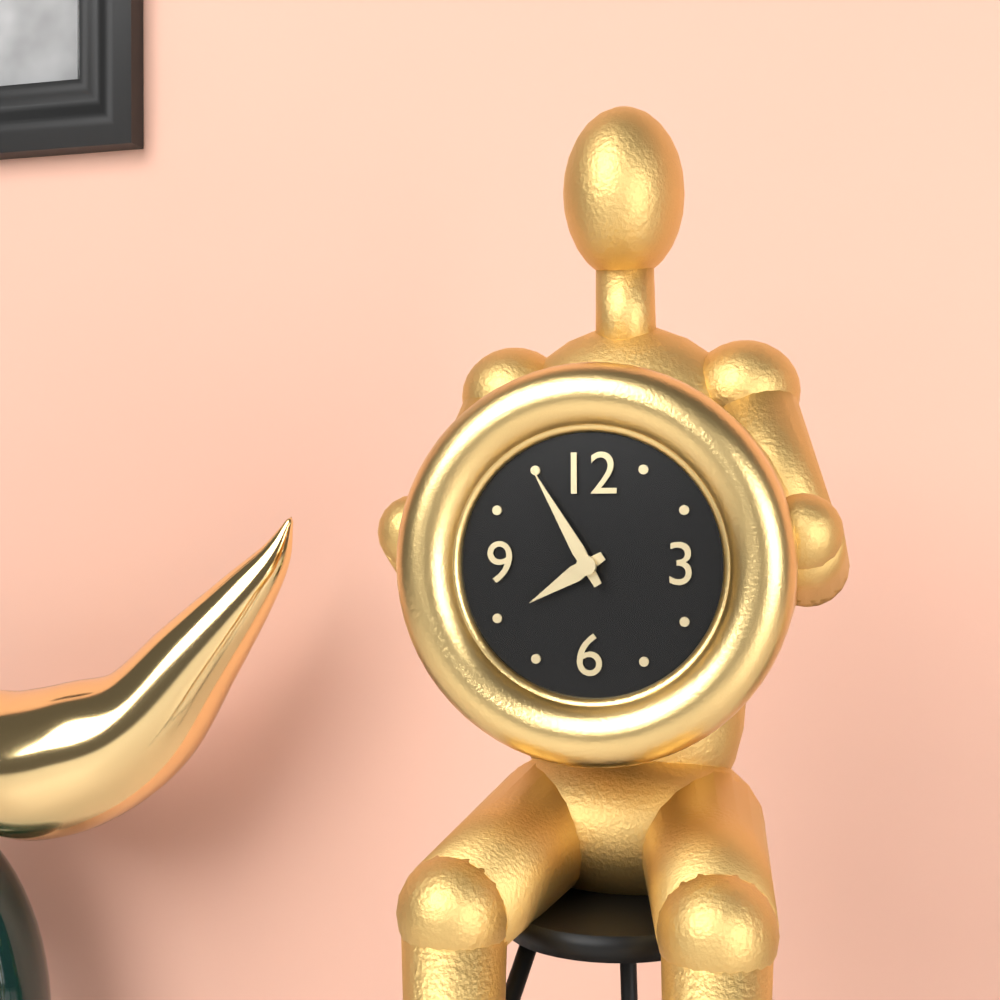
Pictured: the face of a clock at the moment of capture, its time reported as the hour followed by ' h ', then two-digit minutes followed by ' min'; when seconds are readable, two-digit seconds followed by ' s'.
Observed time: 7 h 55 min
